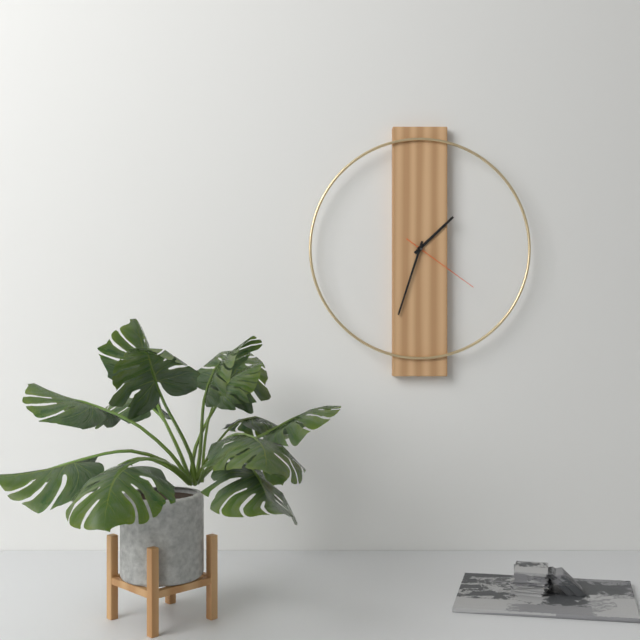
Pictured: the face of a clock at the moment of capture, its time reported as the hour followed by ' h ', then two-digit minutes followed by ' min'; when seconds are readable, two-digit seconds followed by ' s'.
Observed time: 1 h 33 min 21 s
